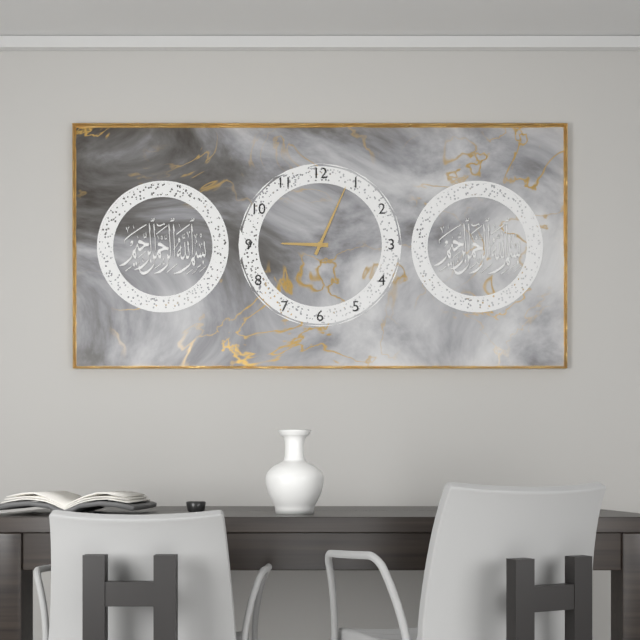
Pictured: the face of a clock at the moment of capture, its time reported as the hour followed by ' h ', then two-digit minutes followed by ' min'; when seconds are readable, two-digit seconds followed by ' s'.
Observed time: 9 h 04 min
